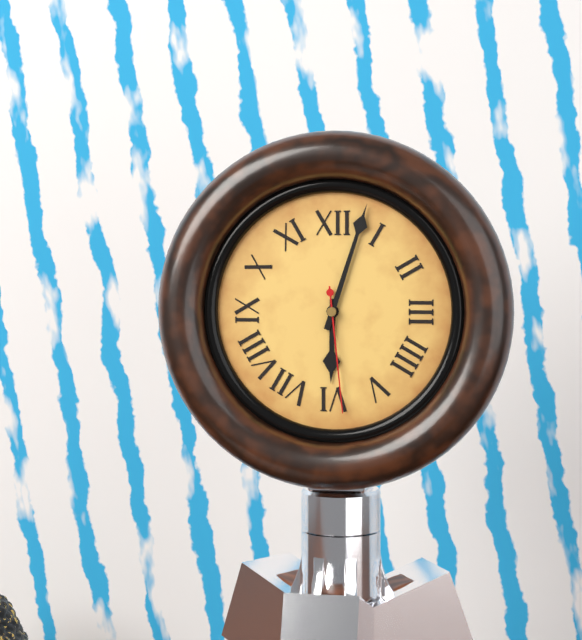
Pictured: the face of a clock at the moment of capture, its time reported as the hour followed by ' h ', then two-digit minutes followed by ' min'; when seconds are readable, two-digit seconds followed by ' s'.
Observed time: 6 h 03 min 29 s
